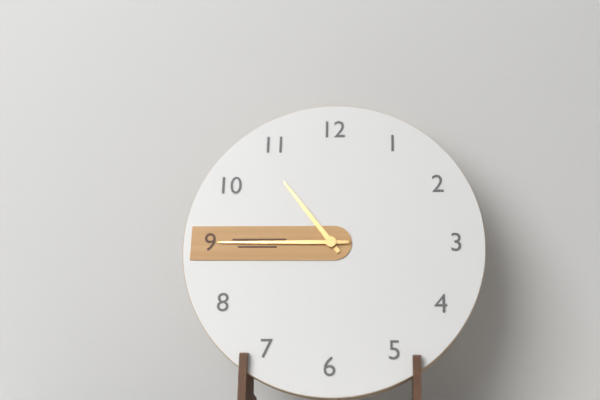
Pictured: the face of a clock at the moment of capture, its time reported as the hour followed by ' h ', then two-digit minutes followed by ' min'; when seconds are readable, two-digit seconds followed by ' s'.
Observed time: 10 h 45 min
